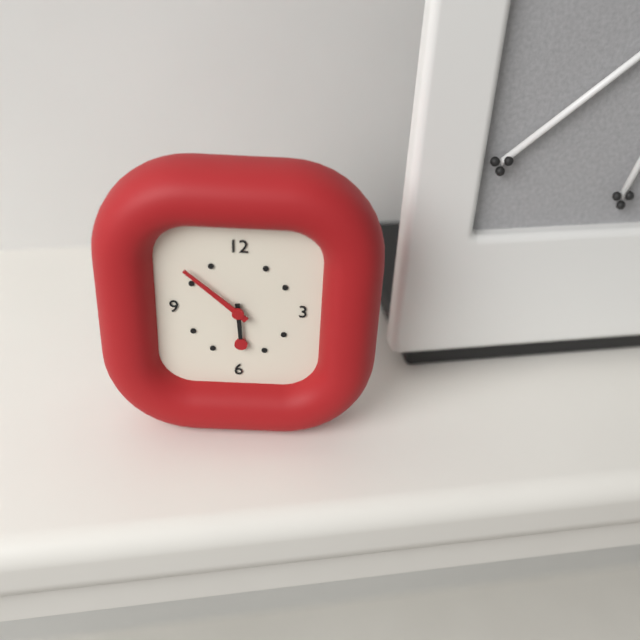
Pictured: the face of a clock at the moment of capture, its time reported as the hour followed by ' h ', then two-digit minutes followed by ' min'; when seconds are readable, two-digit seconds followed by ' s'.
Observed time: 5 h 52 min
